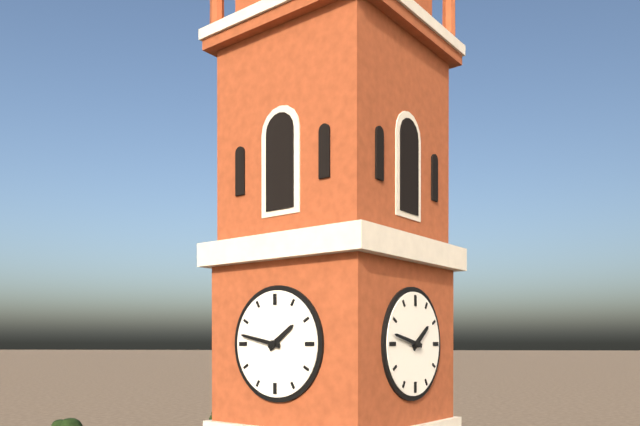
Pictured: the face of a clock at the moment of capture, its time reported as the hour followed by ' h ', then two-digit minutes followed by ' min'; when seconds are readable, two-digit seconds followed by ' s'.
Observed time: 1 h 47 min
